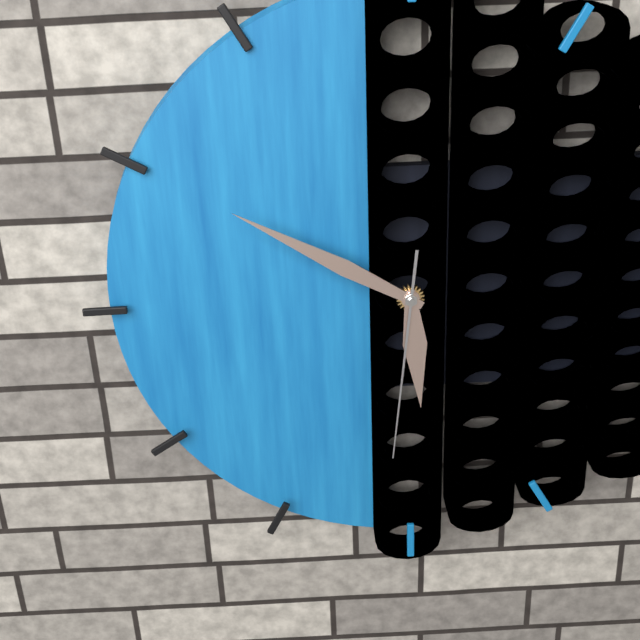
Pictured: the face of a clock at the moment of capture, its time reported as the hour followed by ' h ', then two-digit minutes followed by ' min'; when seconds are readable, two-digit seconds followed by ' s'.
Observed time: 5 h 50 min 31 s
